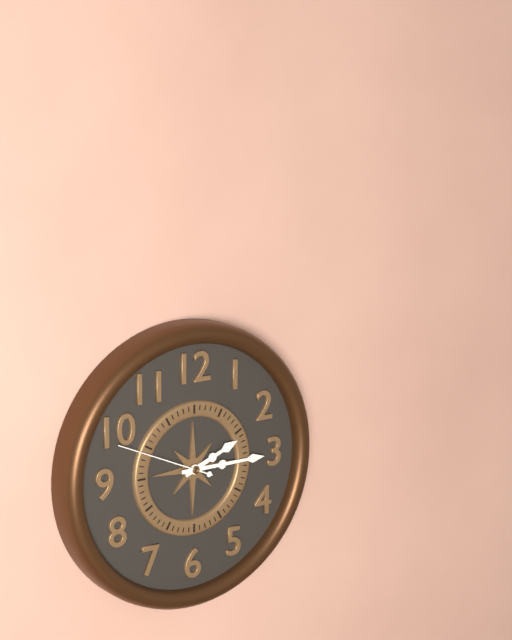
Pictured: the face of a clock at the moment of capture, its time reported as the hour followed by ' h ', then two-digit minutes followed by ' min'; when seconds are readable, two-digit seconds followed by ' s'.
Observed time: 2 h 15 min 49 s
